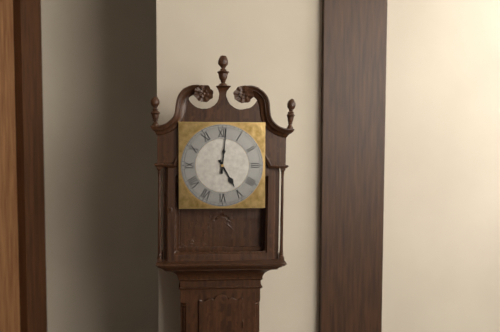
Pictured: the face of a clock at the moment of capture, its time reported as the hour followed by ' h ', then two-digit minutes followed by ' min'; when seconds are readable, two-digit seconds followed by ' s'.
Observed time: 5 h 01 min
